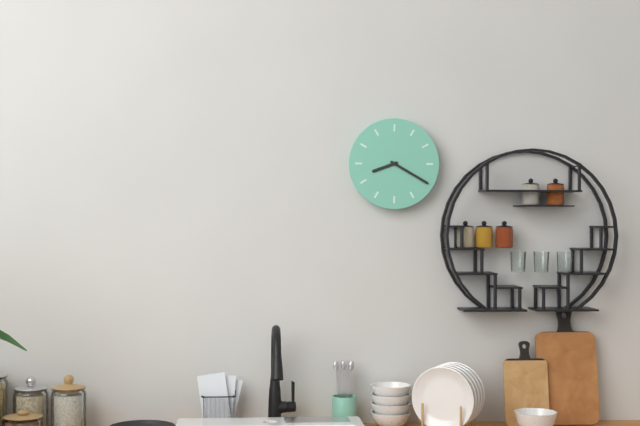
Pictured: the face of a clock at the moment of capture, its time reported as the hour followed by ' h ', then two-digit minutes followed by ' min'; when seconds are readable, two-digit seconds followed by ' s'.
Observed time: 8 h 20 min
